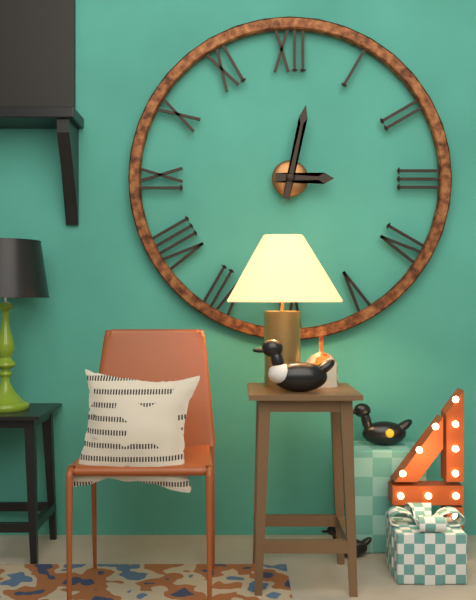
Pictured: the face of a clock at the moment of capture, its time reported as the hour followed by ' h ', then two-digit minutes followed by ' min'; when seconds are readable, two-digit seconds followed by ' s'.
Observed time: 3 h 02 min
